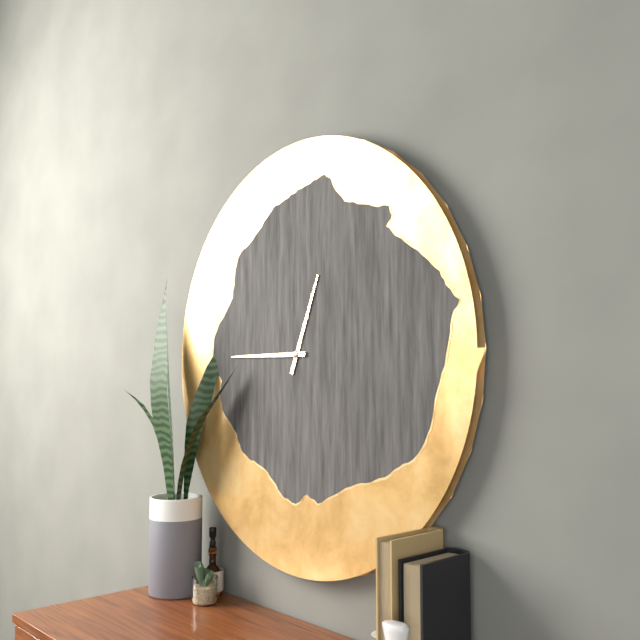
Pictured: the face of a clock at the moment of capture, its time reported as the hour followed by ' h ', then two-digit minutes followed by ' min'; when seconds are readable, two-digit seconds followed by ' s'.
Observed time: 12 h 45 min
